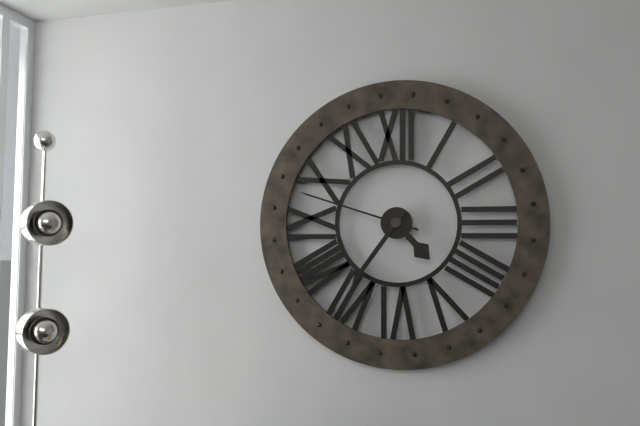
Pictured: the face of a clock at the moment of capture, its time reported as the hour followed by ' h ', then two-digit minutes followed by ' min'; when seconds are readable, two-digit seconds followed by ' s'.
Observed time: 4 h 36 min 48 s
